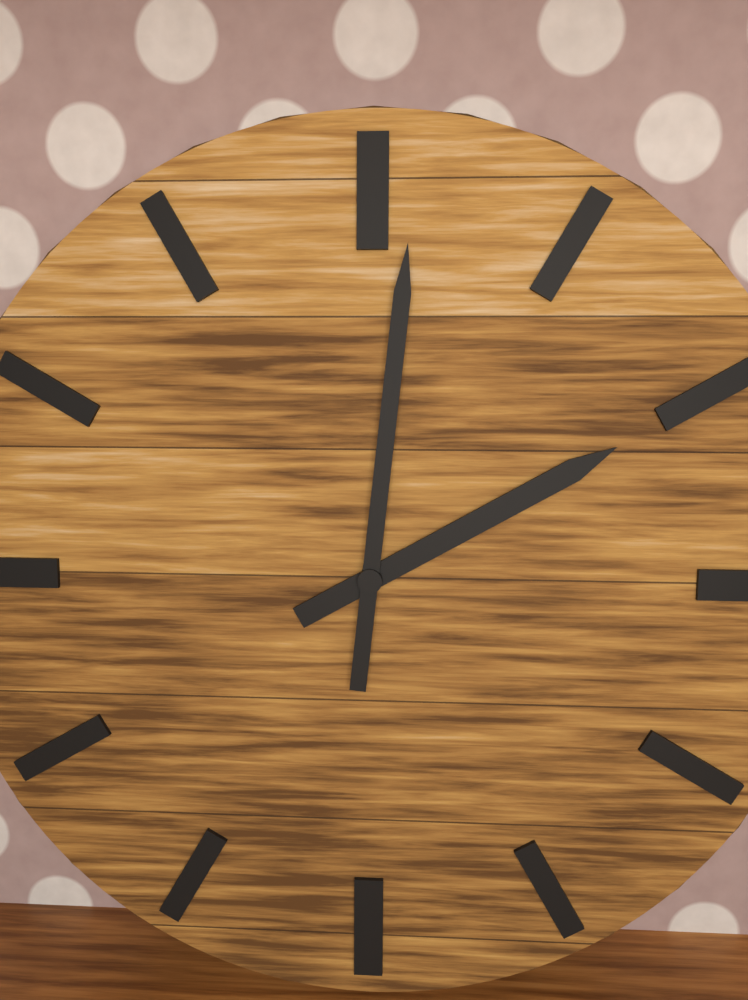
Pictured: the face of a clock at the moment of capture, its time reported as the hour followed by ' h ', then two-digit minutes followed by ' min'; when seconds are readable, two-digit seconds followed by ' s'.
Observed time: 2 h 01 min
